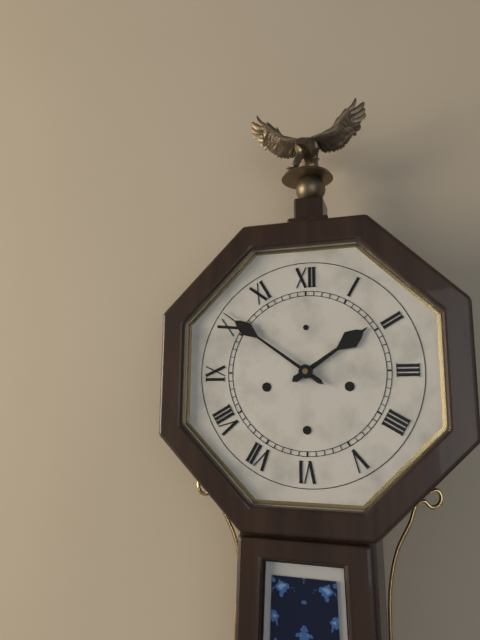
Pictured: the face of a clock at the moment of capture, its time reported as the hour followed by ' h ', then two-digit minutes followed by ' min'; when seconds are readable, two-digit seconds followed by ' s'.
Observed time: 1 h 51 min
